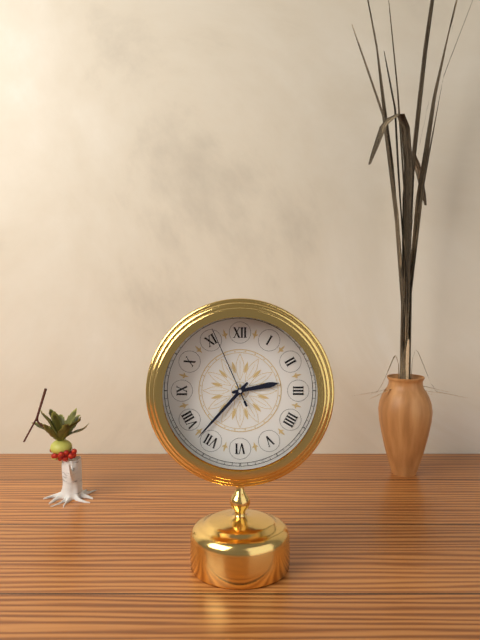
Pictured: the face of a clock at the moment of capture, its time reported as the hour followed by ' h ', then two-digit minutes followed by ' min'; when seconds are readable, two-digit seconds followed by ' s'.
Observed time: 2 h 37 min 56 s
